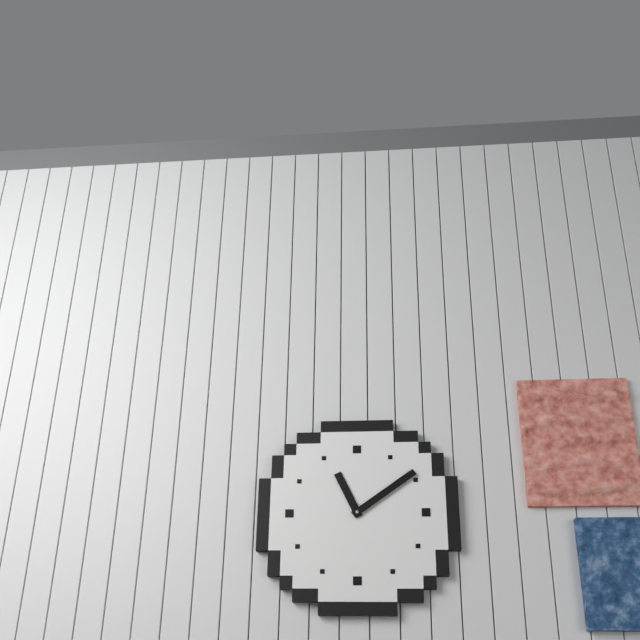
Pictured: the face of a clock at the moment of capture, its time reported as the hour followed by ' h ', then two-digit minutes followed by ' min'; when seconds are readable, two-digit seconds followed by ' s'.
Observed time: 11 h 09 min
